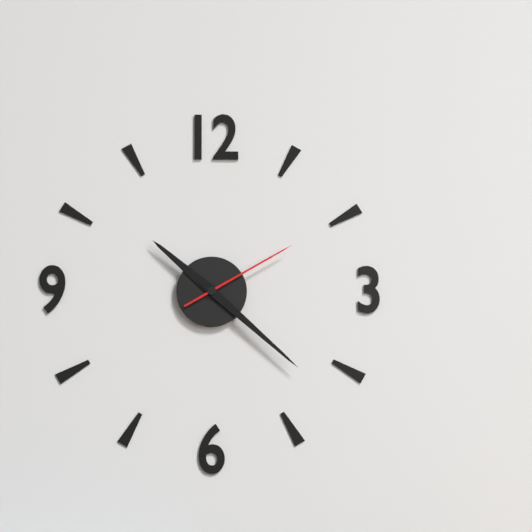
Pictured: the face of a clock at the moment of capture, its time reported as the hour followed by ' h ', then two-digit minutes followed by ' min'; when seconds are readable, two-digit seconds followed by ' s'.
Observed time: 10 h 22 min 10 s
